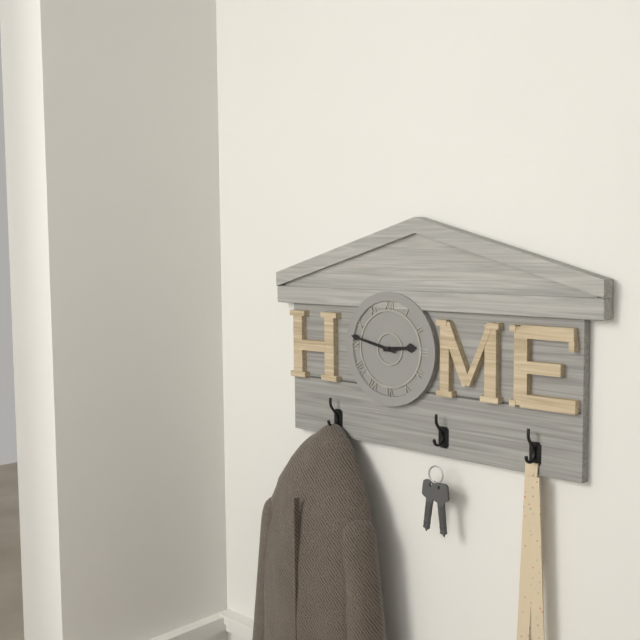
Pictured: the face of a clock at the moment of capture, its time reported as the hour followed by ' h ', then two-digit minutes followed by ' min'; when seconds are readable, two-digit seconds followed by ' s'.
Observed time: 2 h 47 min
